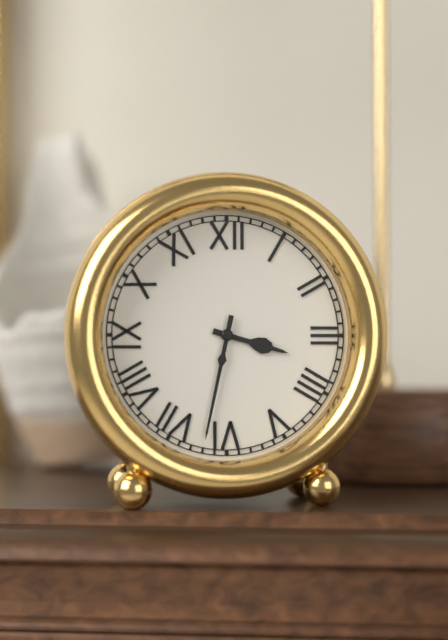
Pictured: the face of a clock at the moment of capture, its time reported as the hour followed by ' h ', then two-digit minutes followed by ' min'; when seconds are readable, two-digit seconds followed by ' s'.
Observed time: 3 h 32 min
